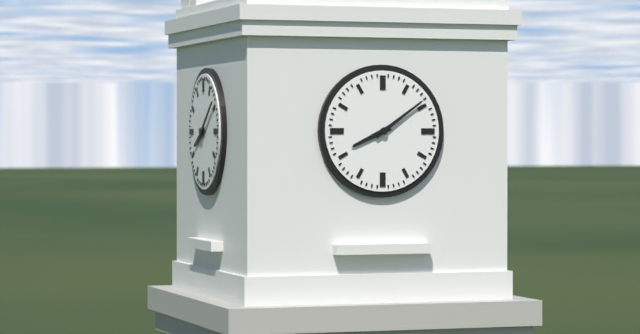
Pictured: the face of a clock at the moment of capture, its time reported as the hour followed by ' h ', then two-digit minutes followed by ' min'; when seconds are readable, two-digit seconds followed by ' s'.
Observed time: 8 h 09 min
